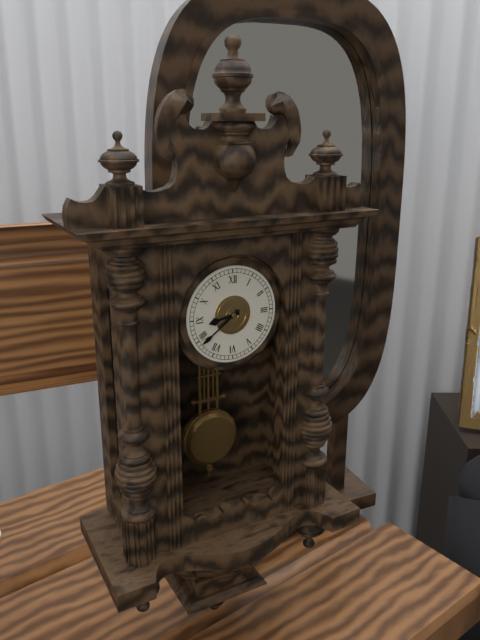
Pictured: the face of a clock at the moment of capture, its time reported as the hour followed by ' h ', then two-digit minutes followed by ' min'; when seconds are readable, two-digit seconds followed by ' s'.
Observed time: 8 h 39 min
